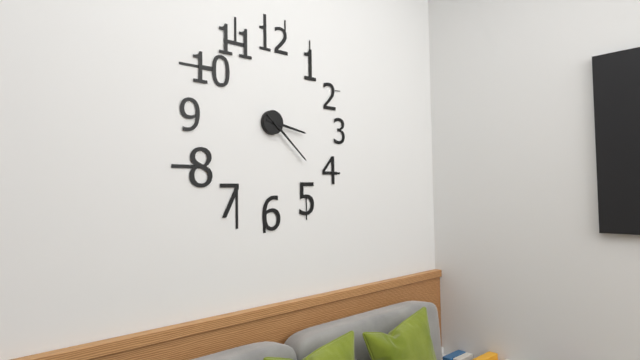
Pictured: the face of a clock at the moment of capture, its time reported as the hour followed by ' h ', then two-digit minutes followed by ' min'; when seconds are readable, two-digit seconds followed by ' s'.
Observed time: 3 h 22 min
